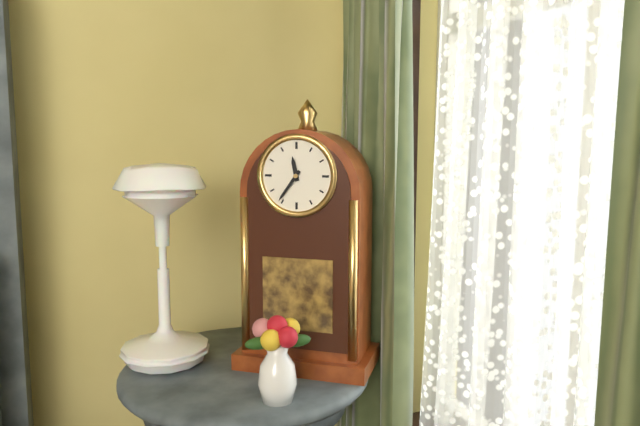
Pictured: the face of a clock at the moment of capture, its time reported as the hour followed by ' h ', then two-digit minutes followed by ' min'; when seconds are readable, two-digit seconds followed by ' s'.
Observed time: 11 h 36 min
